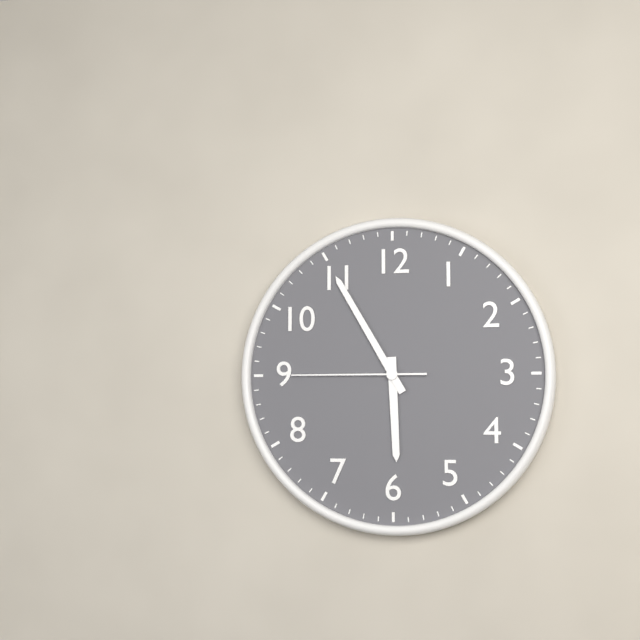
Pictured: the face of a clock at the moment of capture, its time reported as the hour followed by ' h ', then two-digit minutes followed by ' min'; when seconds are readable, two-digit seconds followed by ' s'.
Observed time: 5 h 55 min 45 s
